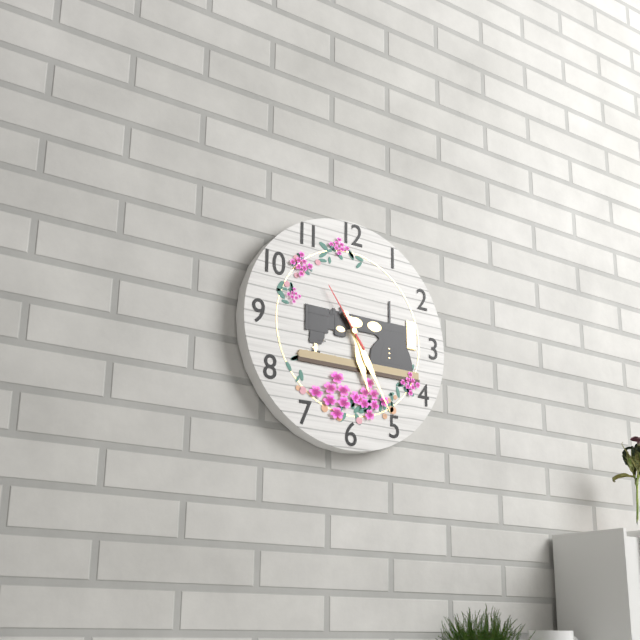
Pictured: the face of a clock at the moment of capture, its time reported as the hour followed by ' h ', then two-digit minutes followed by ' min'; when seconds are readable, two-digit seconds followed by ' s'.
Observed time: 5 h 25 min 54 s
